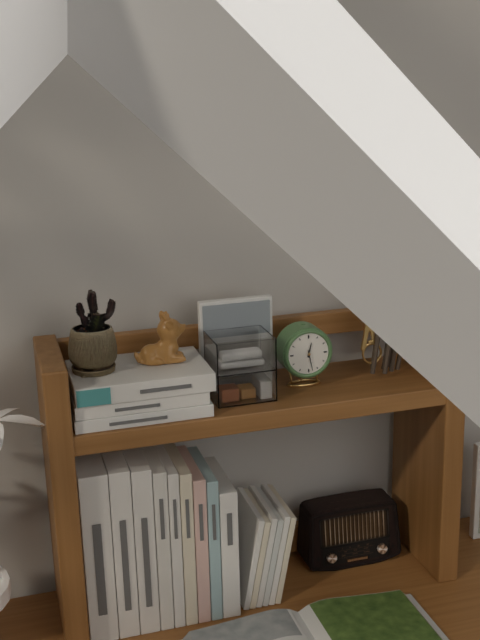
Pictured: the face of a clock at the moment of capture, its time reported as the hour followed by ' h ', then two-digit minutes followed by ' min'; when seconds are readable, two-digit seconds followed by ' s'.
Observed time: 12 h 28 min
